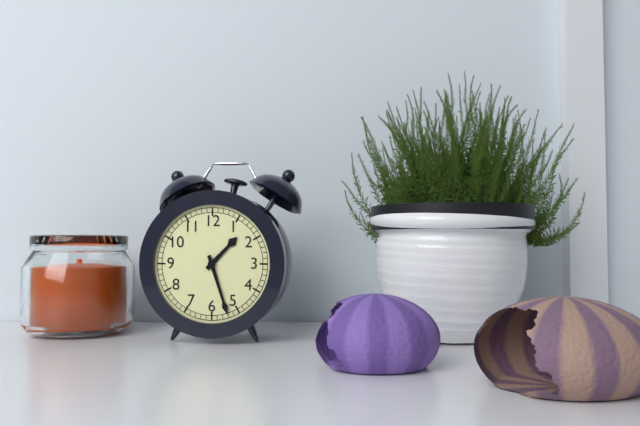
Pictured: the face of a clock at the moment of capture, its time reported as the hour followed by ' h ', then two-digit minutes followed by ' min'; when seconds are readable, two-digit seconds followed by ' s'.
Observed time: 1 h 27 min
